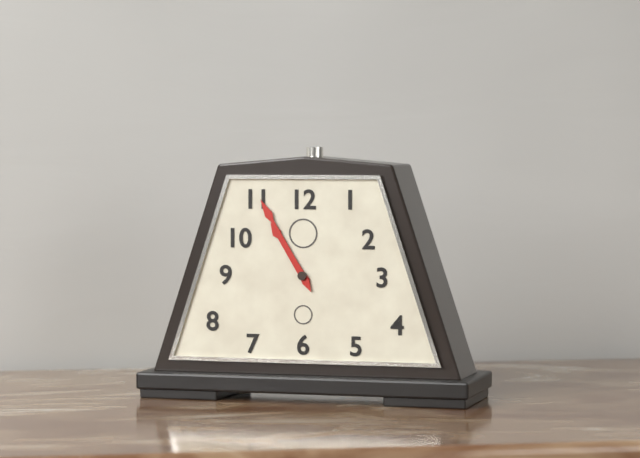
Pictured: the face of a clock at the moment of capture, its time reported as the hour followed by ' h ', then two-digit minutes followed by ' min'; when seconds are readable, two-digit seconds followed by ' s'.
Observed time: 10 h 55 min
